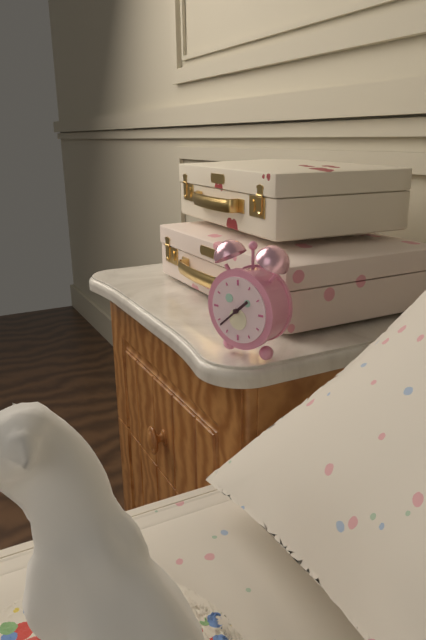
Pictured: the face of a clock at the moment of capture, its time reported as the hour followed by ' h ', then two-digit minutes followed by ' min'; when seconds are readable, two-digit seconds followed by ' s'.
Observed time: 1 h 38 min
